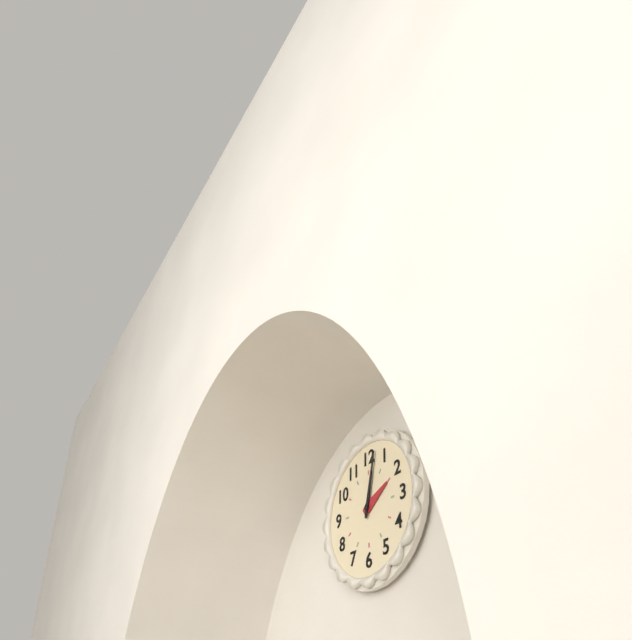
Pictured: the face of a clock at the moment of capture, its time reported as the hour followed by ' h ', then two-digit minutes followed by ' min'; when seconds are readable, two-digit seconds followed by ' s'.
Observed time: 2 h 02 min
